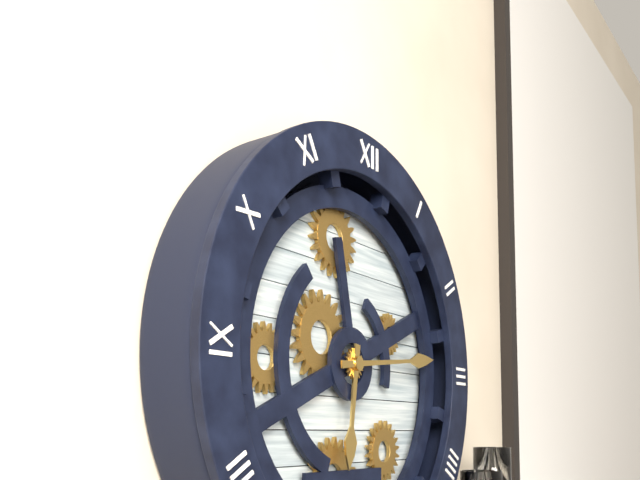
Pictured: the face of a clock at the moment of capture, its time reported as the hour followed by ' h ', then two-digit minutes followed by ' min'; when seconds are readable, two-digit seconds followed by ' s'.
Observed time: 6 h 14 min
